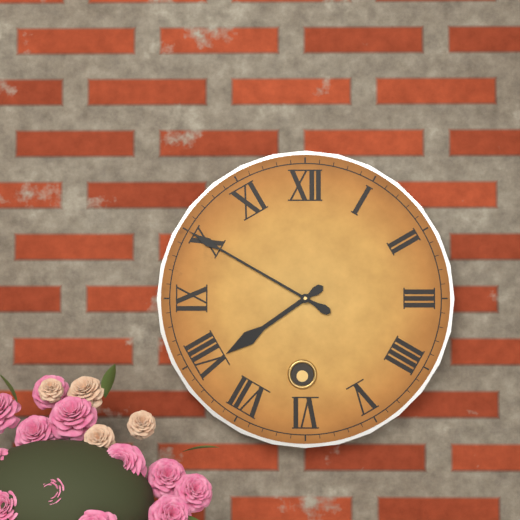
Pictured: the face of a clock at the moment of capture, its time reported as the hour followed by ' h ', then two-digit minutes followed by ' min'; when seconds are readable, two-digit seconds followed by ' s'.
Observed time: 7 h 50 min
